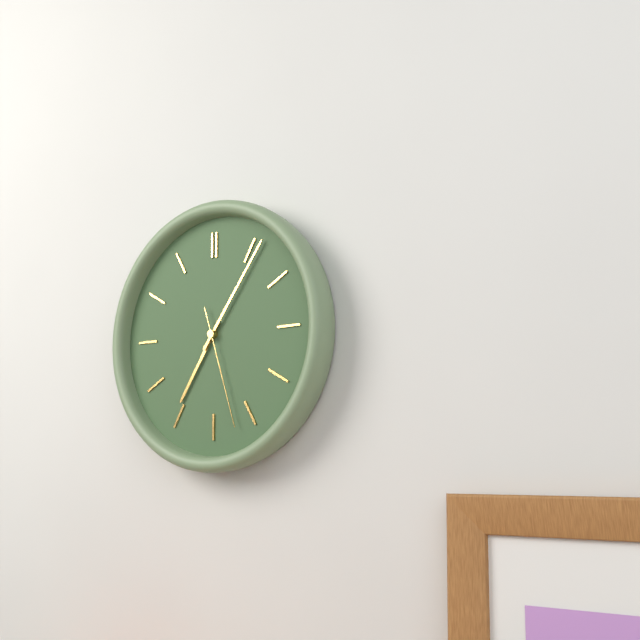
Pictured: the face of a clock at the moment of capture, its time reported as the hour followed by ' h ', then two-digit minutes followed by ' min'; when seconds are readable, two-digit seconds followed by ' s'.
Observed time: 7 h 06 min 27 s
